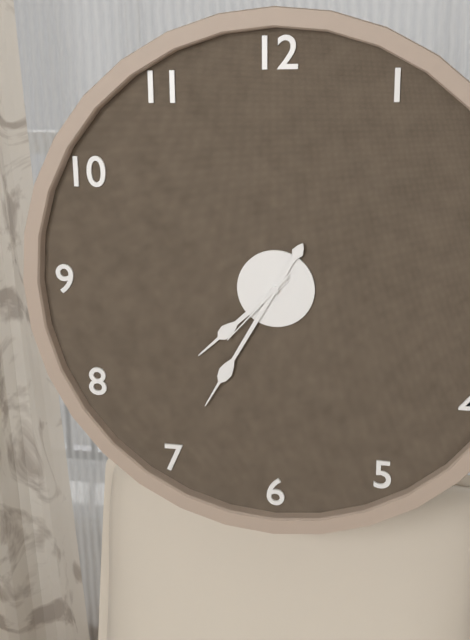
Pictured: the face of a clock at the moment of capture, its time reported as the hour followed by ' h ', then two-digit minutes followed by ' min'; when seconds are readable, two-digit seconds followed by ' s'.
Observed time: 7 h 35 min 37 s
